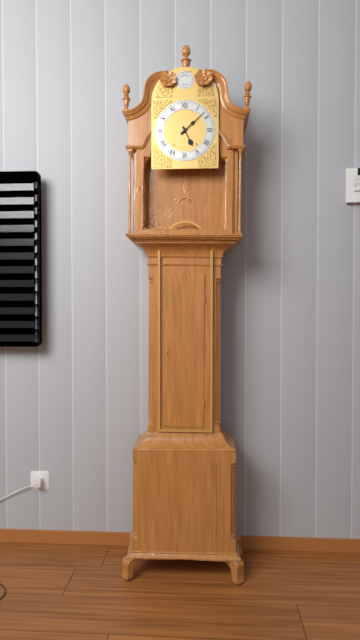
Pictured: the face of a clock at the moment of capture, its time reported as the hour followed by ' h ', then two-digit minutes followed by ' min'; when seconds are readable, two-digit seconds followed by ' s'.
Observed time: 5 h 08 min
